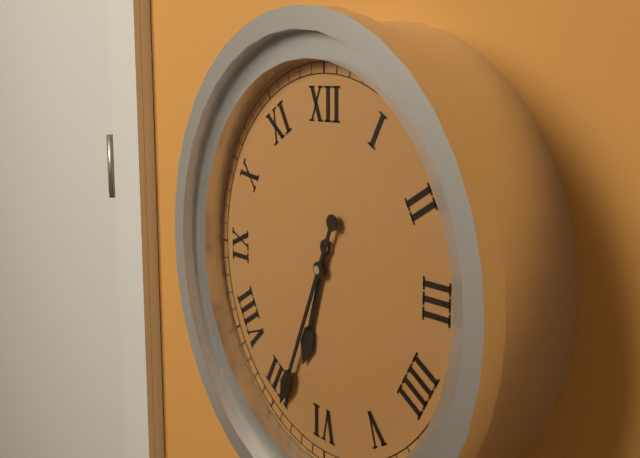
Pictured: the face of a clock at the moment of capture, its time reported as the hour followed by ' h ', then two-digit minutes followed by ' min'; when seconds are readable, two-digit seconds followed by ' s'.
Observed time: 6 h 34 min
